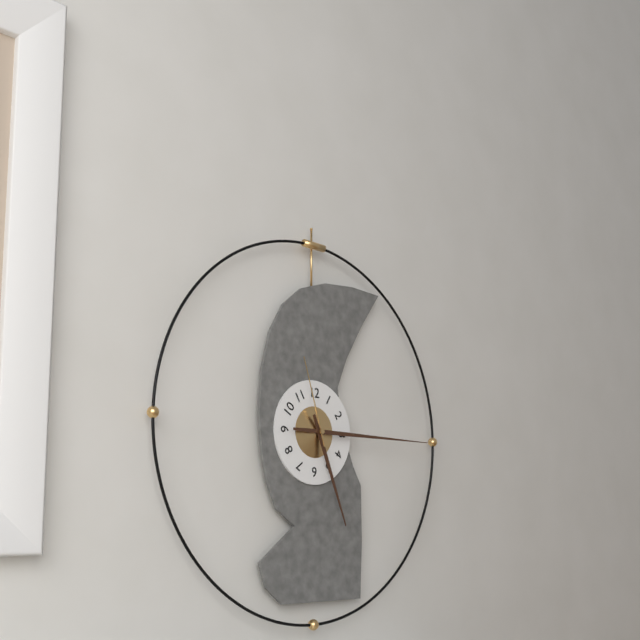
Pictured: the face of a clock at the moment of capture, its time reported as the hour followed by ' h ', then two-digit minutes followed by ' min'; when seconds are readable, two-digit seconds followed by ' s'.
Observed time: 5 h 15 min 57 s
